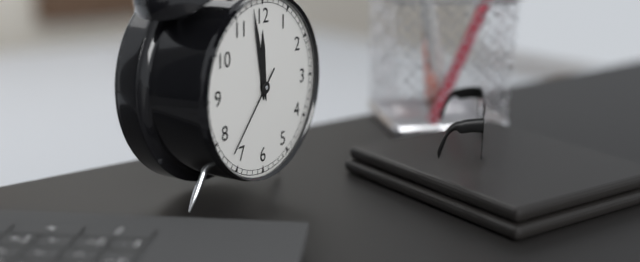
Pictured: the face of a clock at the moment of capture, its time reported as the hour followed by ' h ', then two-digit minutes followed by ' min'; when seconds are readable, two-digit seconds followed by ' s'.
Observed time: 11 h 58 min 37 s
